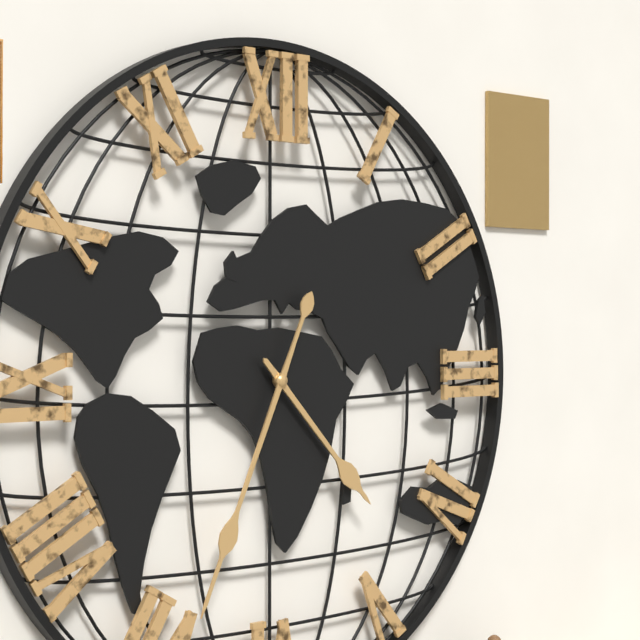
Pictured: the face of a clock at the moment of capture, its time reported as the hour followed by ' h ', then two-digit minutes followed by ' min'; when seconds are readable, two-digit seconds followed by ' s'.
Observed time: 4 h 34 min
